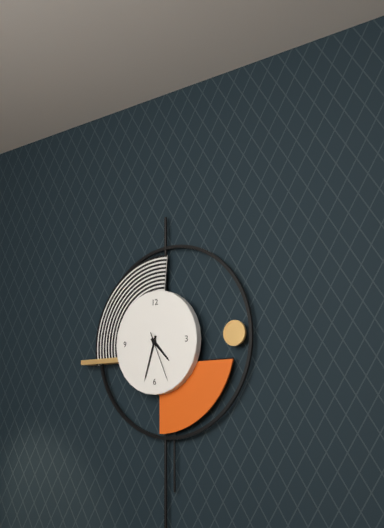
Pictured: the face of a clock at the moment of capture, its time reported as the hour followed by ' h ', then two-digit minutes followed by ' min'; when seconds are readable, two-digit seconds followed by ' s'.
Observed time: 4 h 33 min 26 s
